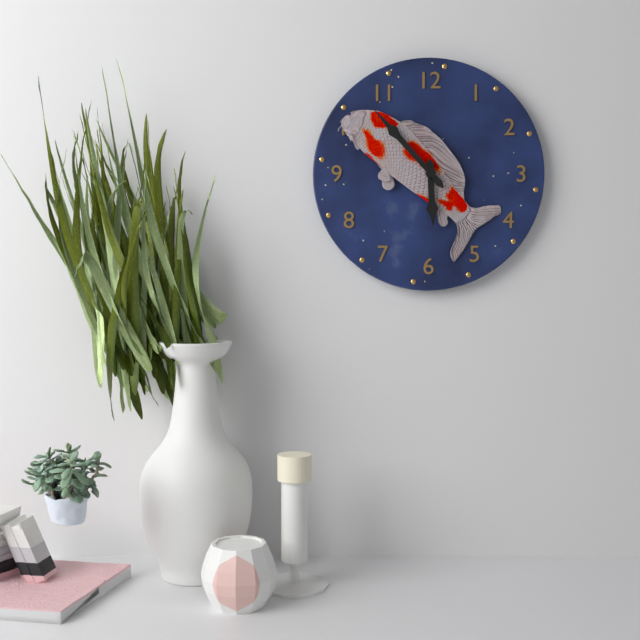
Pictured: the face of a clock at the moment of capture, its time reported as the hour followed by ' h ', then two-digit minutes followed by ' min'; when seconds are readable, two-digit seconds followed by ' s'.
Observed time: 5 h 53 min
